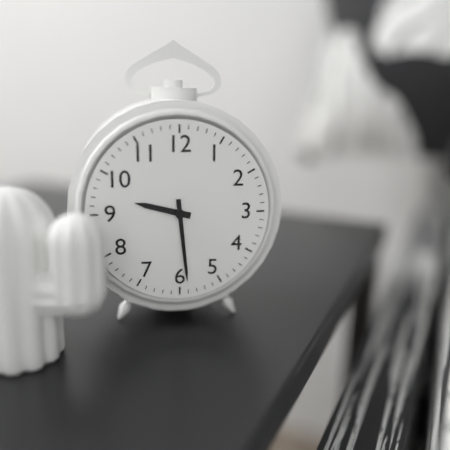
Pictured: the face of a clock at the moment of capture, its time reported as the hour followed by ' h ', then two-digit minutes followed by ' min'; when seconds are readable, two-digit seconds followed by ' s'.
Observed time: 9 h 29 min
